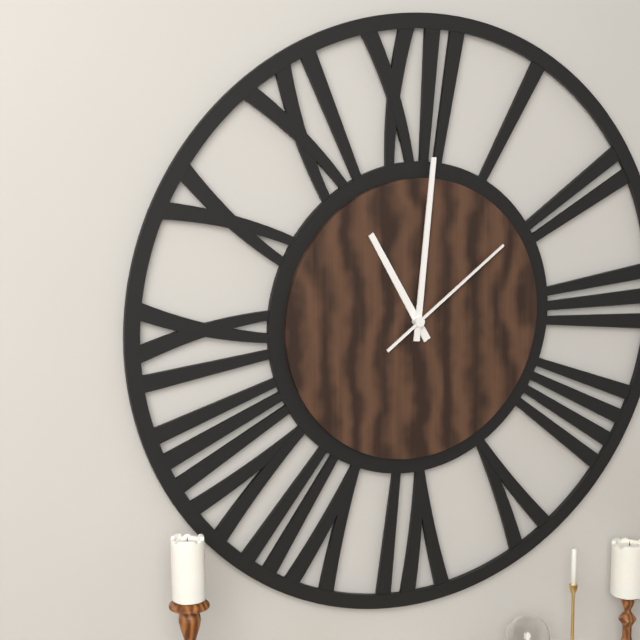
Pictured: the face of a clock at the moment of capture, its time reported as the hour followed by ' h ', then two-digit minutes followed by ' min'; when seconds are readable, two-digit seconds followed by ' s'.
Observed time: 11 h 01 min 09 s
